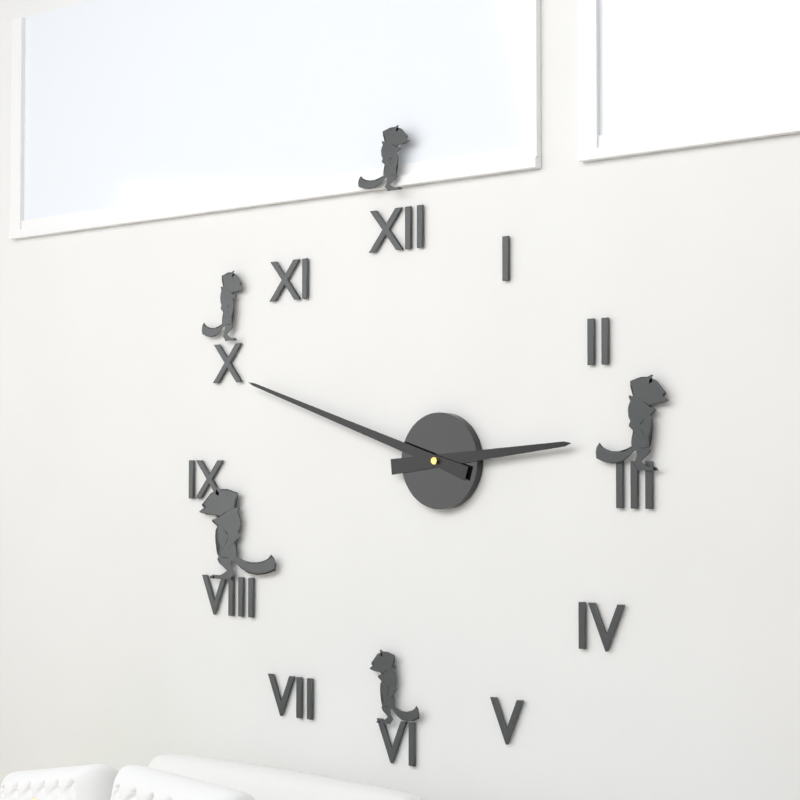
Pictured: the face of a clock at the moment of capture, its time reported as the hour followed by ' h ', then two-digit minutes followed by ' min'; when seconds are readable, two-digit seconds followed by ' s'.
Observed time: 2 h 48 min
